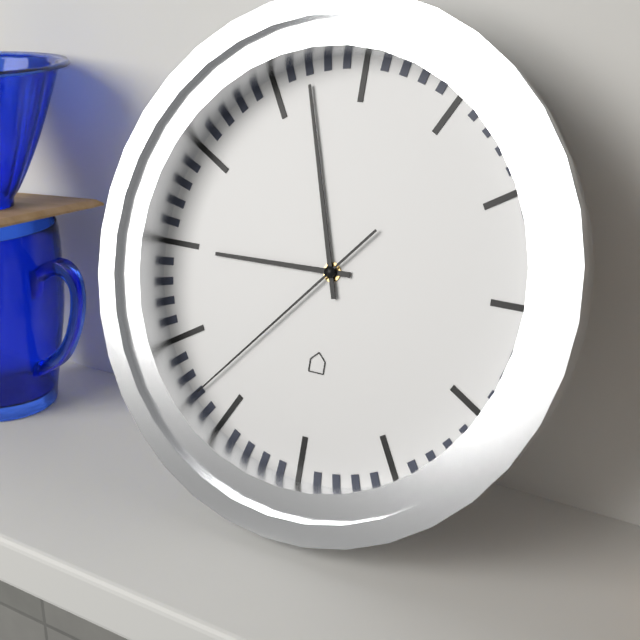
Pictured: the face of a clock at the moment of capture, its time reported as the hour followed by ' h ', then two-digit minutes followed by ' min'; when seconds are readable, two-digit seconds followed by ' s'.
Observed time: 8 h 57 min 37 s
